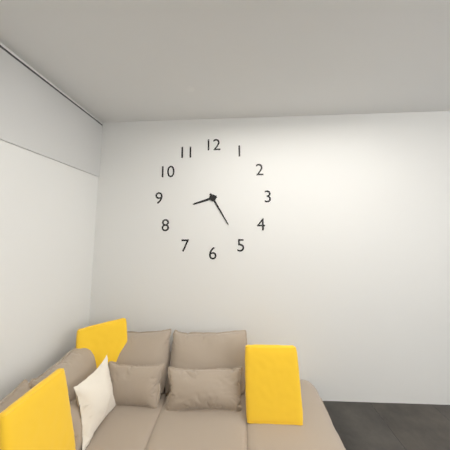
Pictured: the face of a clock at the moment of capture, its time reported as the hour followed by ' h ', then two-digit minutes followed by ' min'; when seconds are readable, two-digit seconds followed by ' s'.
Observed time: 8 h 25 min
